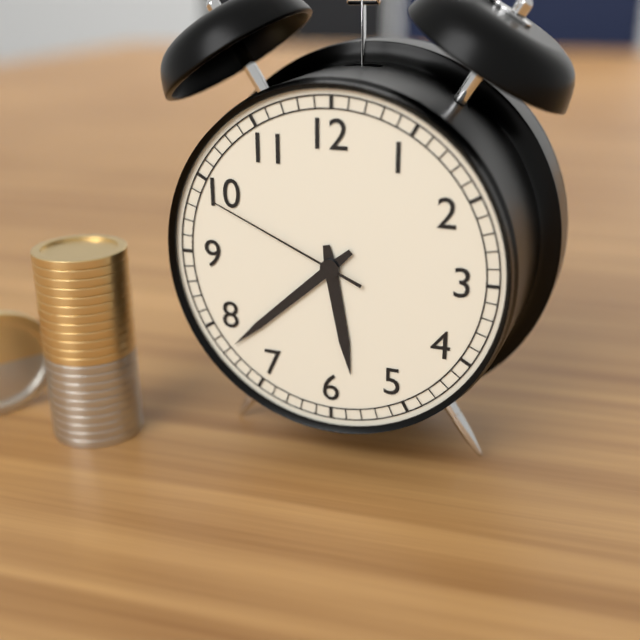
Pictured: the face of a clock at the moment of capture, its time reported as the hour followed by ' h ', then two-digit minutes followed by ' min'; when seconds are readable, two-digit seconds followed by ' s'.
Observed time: 5 h 38 min 49 s
